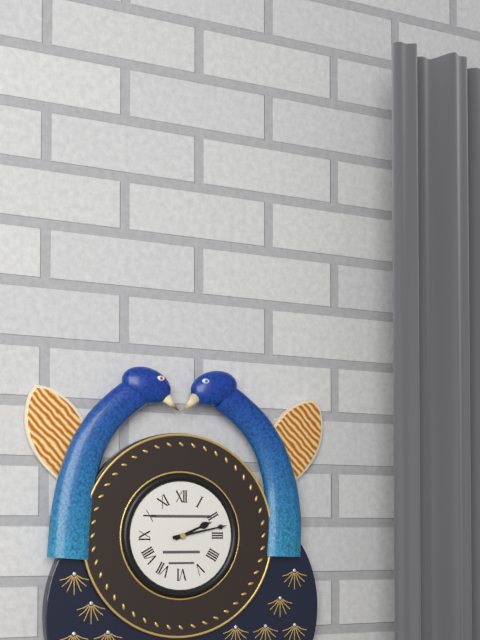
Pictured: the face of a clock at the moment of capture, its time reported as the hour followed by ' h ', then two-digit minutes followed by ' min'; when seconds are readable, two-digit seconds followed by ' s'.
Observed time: 2 h 13 min
